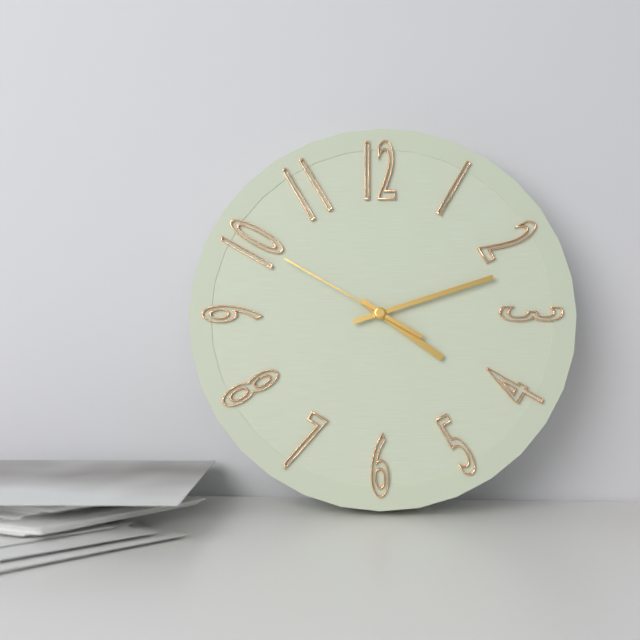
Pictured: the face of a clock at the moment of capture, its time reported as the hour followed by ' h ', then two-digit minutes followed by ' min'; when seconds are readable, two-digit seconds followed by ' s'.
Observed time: 4 h 12 min 50 s
